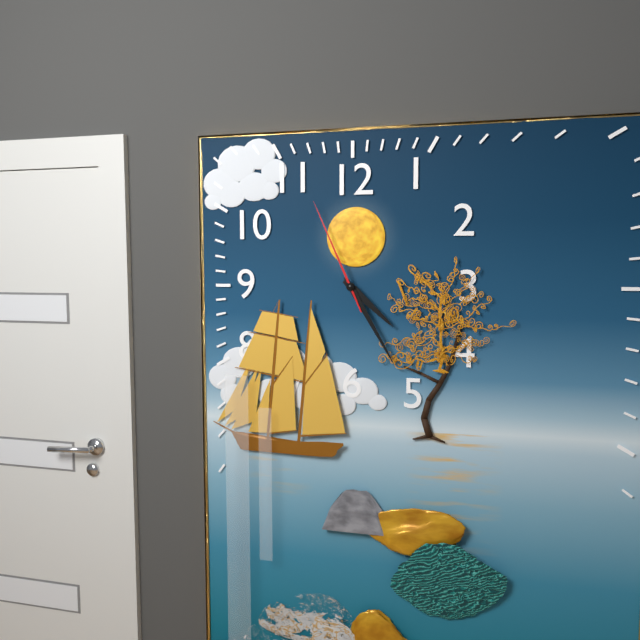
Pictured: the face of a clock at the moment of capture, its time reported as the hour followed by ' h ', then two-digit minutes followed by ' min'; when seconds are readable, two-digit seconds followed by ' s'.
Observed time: 4 h 25 min 56 s
